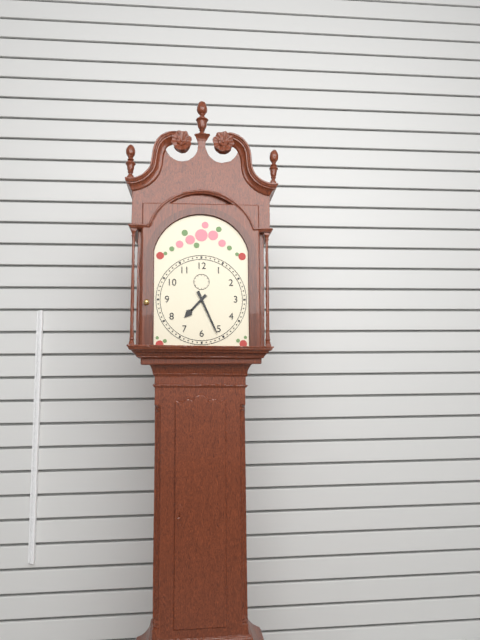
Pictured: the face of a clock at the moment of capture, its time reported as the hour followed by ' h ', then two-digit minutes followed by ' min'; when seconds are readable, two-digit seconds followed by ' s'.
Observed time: 7 h 26 min
